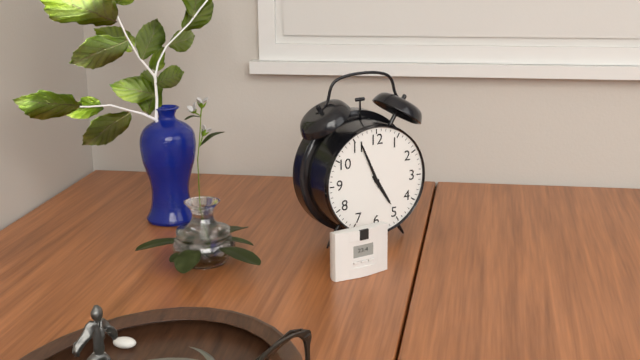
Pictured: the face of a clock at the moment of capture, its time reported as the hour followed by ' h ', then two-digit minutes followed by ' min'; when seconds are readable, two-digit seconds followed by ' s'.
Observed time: 4 h 56 min
